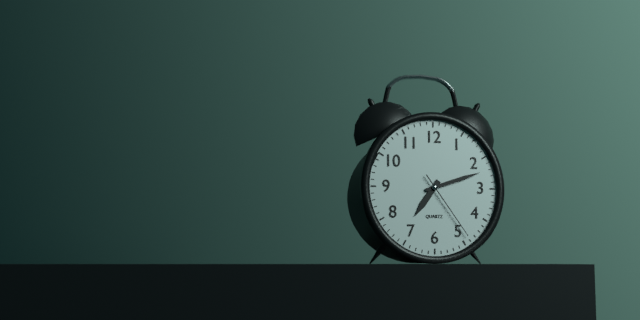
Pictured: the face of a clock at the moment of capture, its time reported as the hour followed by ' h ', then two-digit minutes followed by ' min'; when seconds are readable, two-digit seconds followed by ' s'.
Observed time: 7 h 12 min 24 s
